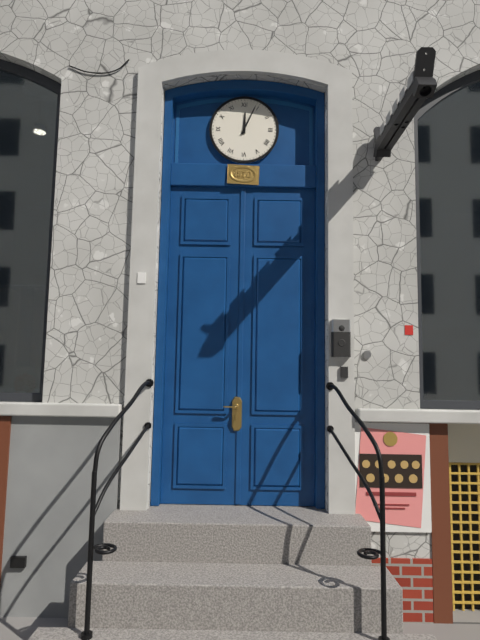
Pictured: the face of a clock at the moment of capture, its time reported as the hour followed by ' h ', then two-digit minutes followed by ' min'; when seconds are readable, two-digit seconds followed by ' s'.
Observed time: 12 h 04 min
